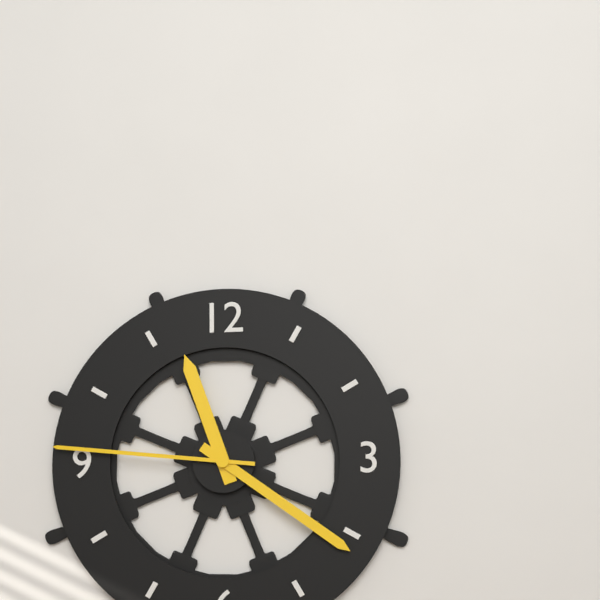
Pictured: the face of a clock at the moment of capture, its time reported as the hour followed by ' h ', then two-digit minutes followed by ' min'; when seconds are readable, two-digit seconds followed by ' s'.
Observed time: 11 h 21 min 46 s
